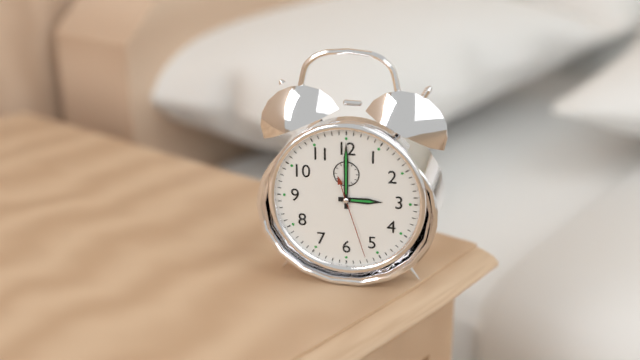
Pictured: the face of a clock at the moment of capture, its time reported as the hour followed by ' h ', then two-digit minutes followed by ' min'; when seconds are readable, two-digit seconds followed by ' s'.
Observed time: 3 h 00 min 27 s
